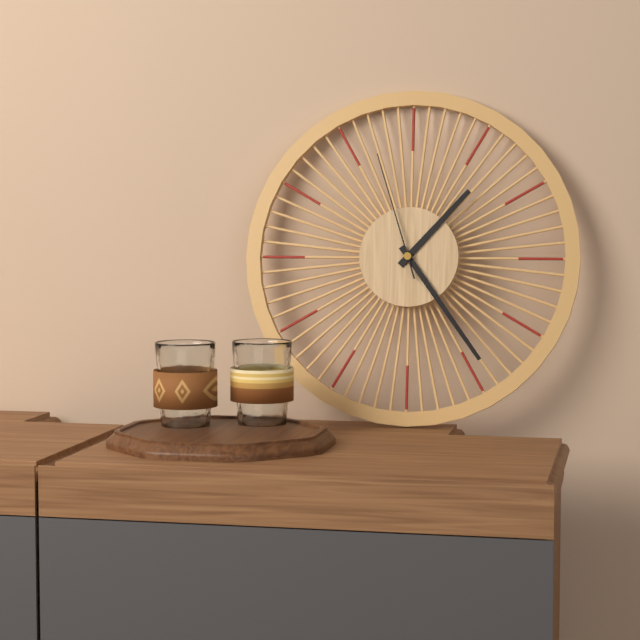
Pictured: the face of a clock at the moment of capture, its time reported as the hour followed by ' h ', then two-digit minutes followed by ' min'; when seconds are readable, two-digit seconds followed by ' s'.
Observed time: 1 h 24 min 57 s
